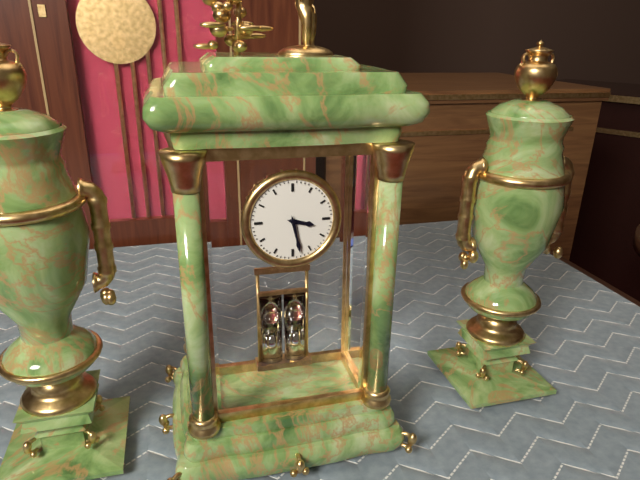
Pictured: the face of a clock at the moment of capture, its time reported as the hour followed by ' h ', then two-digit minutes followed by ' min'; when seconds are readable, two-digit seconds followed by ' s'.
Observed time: 3 h 28 min
